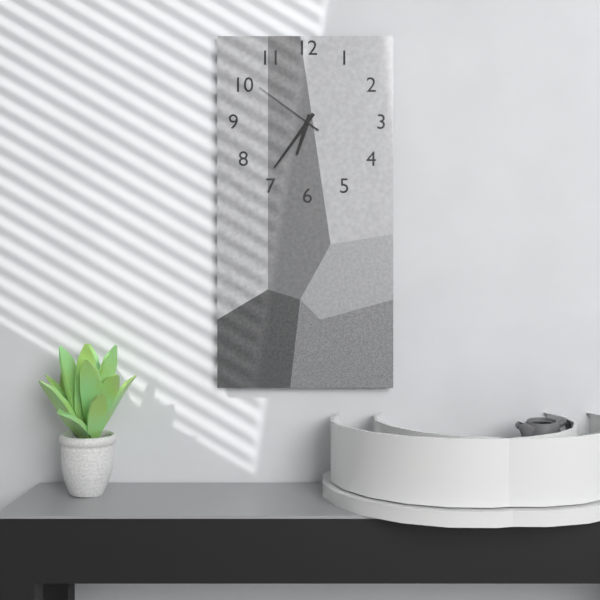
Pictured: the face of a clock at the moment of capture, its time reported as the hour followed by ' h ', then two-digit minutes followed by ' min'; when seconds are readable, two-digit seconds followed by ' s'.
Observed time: 6 h 36 min 51 s
